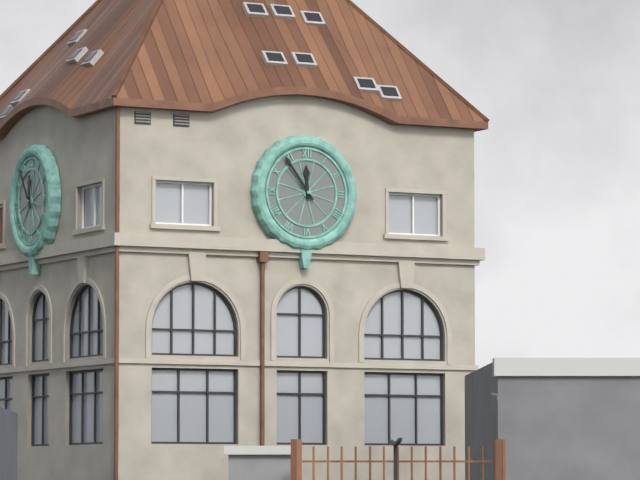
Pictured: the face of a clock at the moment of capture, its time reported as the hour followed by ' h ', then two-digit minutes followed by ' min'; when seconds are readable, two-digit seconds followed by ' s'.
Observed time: 11 h 54 min
